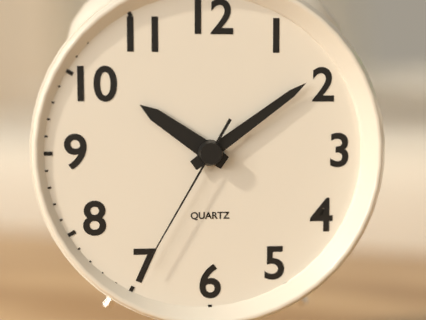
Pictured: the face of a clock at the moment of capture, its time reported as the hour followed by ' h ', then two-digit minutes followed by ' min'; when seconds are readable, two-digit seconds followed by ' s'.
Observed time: 10 h 09 min 35 s
